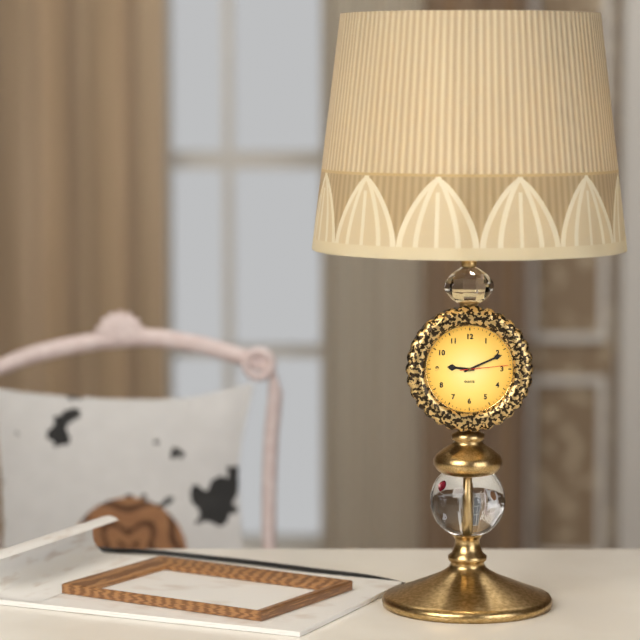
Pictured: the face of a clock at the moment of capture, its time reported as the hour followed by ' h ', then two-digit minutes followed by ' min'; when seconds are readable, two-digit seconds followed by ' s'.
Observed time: 9 h 11 min
